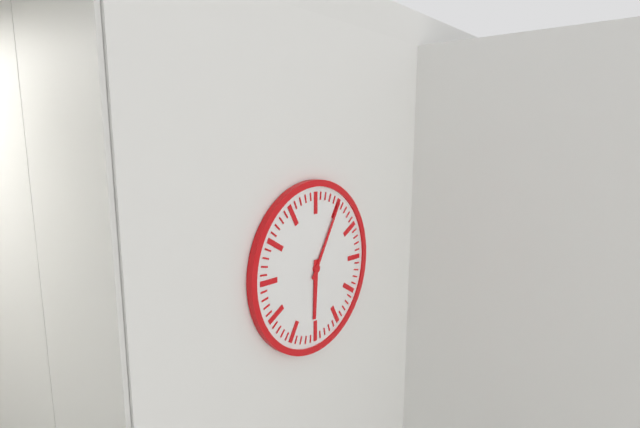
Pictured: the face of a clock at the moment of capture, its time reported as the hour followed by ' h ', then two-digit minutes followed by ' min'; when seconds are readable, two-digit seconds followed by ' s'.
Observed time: 6 h 05 min
